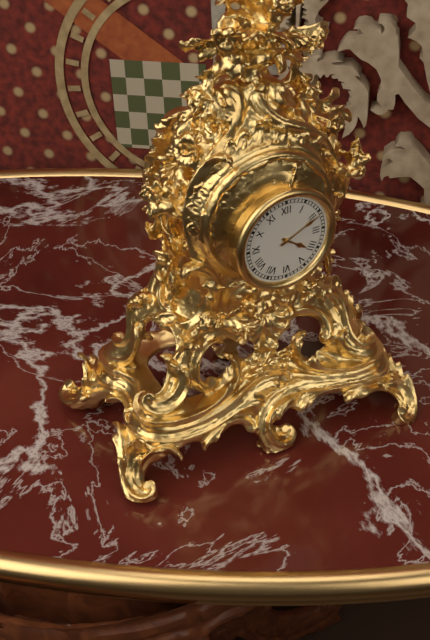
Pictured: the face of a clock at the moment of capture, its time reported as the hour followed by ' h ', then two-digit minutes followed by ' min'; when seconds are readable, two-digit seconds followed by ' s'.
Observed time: 4 h 11 min
